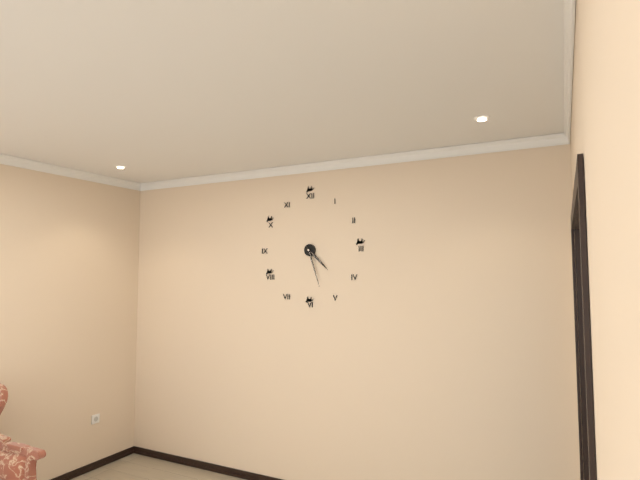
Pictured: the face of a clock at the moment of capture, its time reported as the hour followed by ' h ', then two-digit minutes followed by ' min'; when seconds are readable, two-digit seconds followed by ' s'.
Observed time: 4 h 27 min
